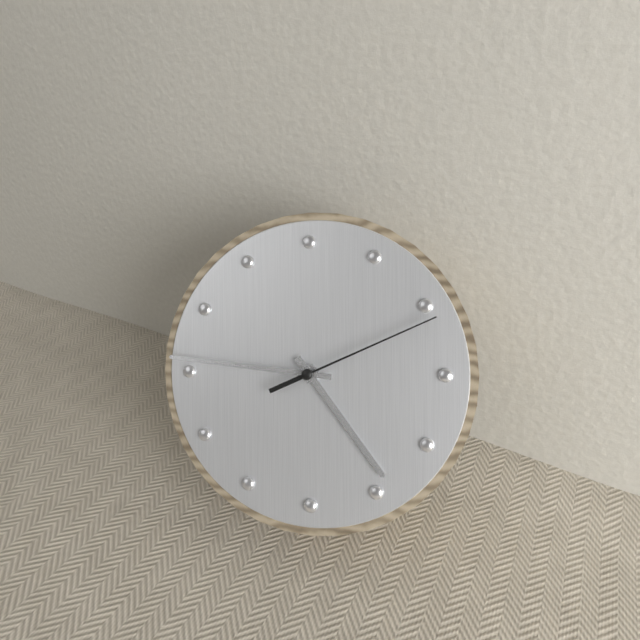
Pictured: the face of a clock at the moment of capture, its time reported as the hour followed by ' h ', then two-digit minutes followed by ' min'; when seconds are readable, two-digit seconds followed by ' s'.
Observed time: 4 h 46 min 11 s
